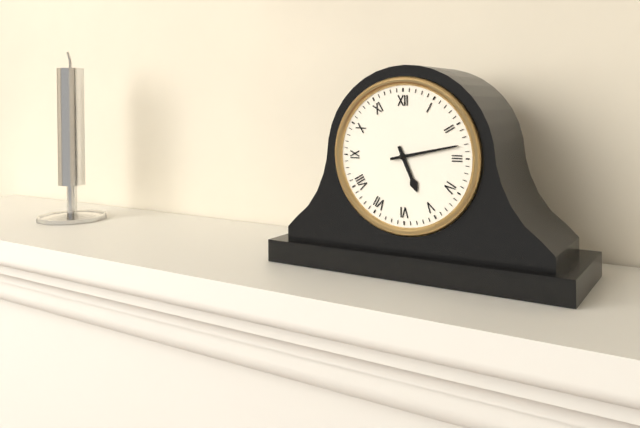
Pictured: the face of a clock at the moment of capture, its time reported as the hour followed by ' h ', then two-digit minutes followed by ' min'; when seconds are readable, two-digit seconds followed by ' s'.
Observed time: 5 h 13 min
